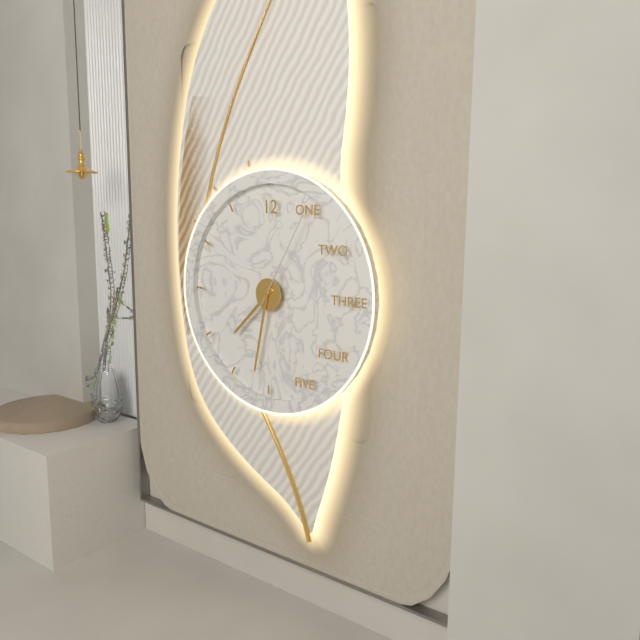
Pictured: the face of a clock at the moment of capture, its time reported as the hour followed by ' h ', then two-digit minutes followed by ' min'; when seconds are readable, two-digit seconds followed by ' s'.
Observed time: 7 h 32 min 05 s
